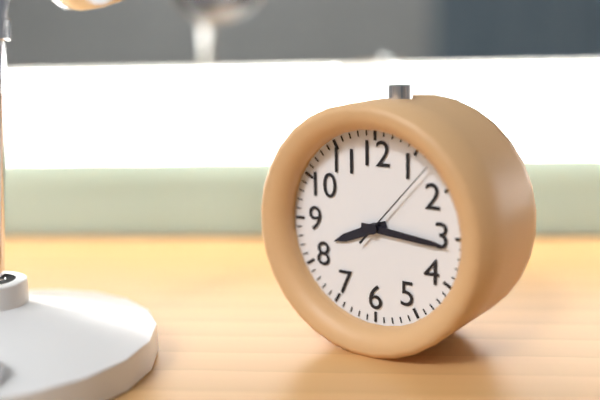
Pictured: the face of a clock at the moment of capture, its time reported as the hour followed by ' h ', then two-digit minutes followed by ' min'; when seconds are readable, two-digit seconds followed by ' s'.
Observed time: 8 h 16 min 07 s
